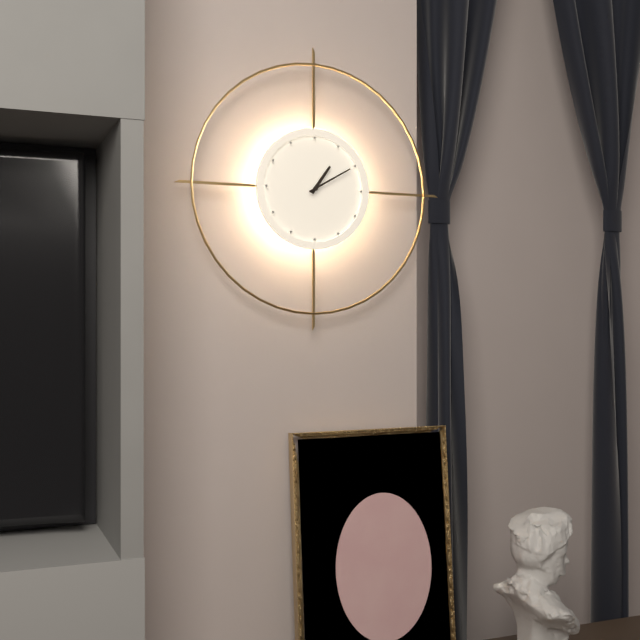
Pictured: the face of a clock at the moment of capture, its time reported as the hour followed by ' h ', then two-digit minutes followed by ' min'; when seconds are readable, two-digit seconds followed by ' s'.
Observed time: 1 h 10 min
